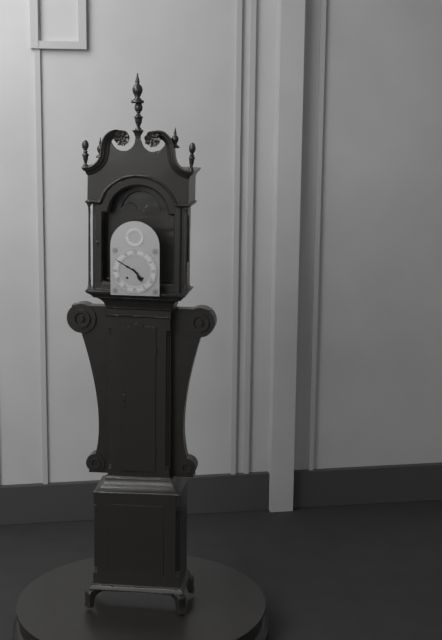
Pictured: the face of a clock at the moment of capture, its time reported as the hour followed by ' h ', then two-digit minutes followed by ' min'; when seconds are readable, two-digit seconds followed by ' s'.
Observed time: 4 h 50 min
